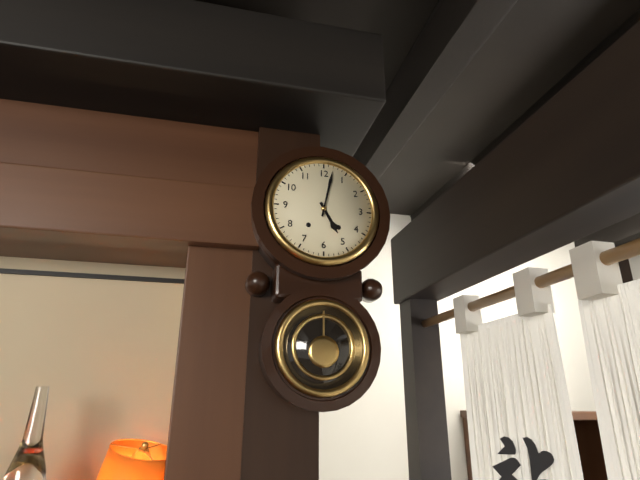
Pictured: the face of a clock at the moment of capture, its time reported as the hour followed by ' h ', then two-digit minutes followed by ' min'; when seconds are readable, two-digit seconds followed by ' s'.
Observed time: 5 h 02 min
